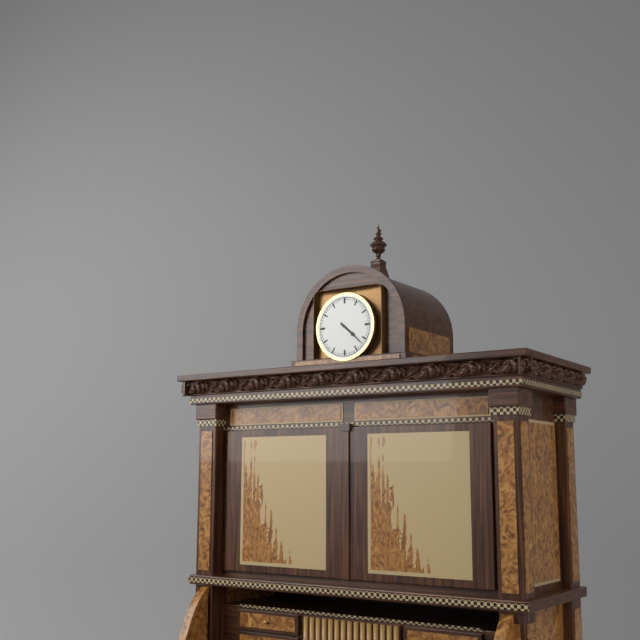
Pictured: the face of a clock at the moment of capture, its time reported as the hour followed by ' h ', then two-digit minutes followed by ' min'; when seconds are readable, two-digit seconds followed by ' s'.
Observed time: 4 h 22 min
